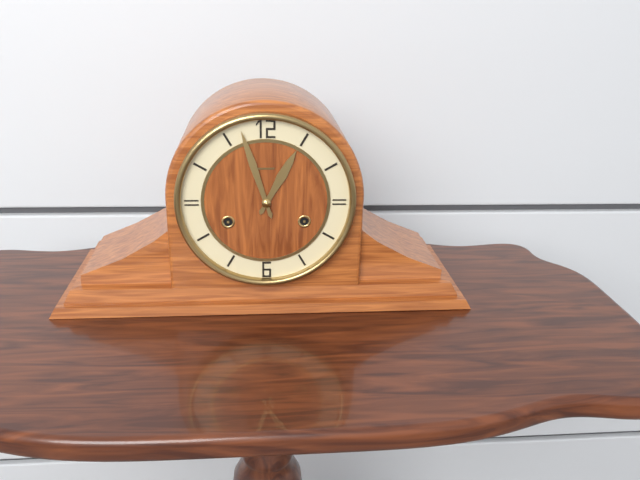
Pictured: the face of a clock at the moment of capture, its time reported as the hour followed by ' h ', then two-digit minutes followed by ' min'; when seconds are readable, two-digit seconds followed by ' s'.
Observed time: 12 h 57 min
